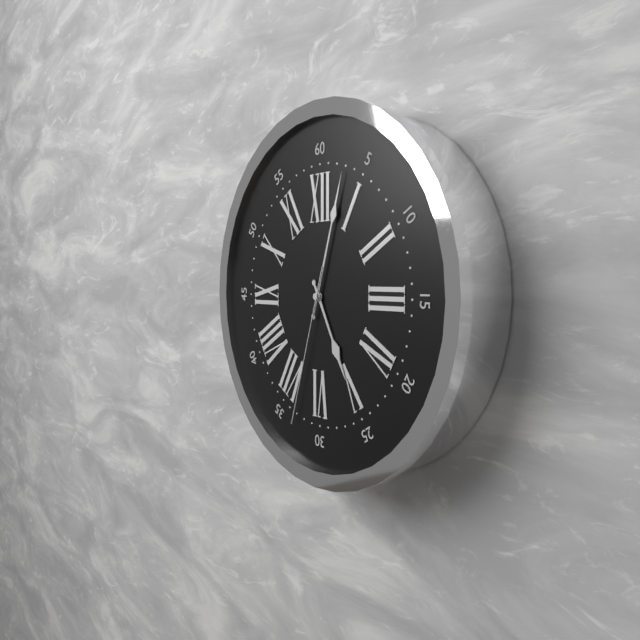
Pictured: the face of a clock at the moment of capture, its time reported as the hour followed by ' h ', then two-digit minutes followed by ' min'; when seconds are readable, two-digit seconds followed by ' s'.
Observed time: 5 h 03 min 33 s
